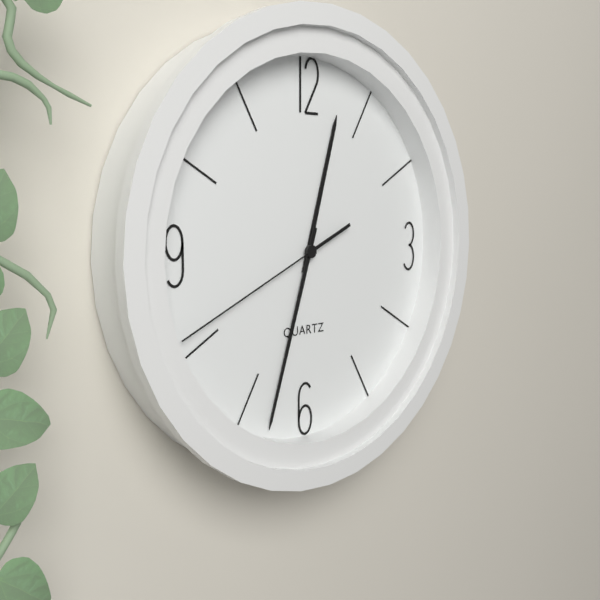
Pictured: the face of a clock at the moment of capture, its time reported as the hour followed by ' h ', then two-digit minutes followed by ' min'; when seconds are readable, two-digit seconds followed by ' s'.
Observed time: 12 h 33 min 41 s
